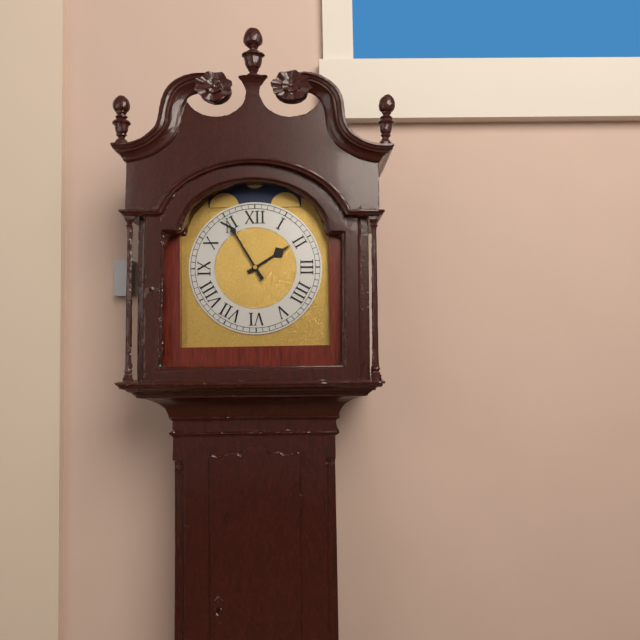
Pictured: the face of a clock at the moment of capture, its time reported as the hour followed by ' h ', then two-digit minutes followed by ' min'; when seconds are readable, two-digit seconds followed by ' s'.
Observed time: 1 h 55 min
